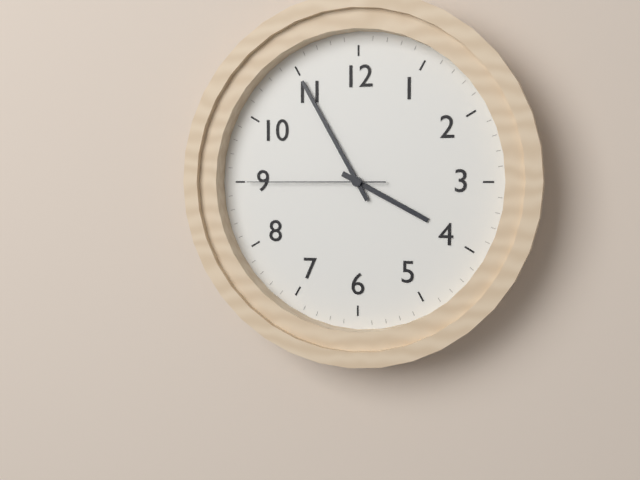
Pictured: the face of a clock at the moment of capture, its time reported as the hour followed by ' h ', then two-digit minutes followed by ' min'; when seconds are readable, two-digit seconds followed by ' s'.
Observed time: 3 h 55 min 45 s
